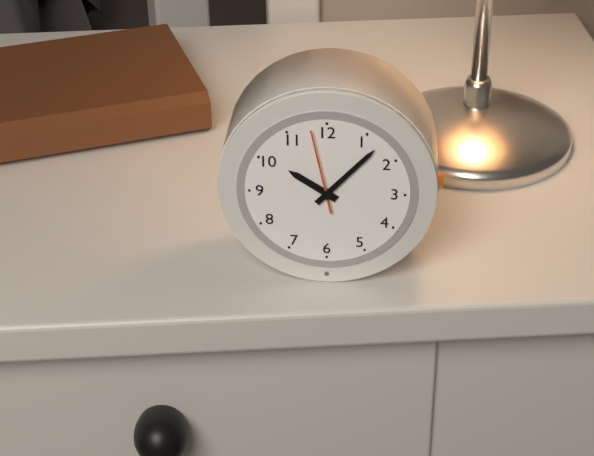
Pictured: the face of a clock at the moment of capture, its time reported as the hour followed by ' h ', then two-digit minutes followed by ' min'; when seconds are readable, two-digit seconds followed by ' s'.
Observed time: 10 h 07 min 58 s
